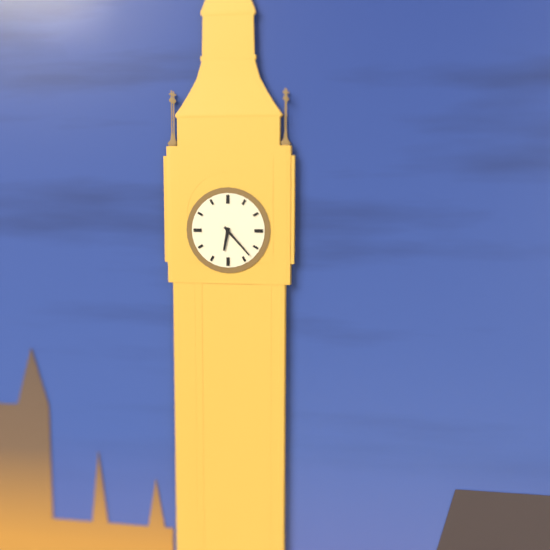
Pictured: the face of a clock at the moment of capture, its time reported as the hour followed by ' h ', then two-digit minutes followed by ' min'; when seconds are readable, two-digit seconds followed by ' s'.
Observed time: 6 h 23 min
